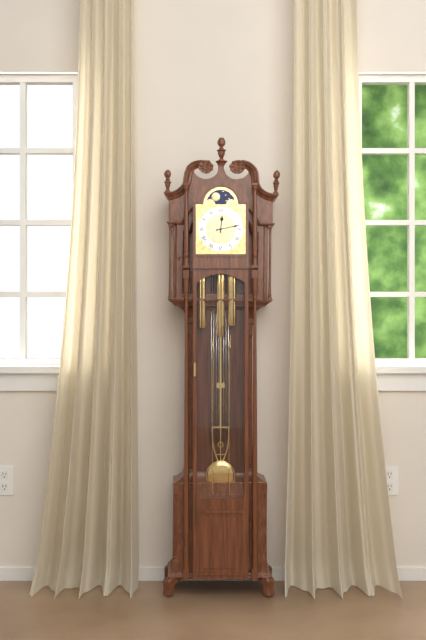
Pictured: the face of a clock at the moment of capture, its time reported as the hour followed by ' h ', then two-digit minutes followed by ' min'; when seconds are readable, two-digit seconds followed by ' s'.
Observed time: 12 h 13 min
